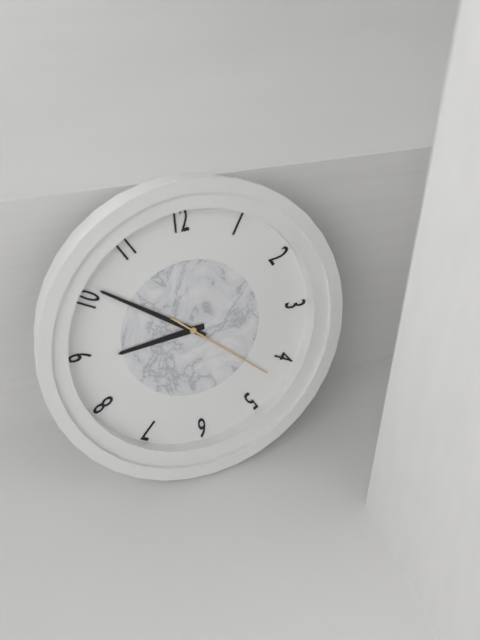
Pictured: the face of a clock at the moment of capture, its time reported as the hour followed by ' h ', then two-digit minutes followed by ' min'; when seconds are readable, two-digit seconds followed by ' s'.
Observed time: 8 h 51 min 22 s
